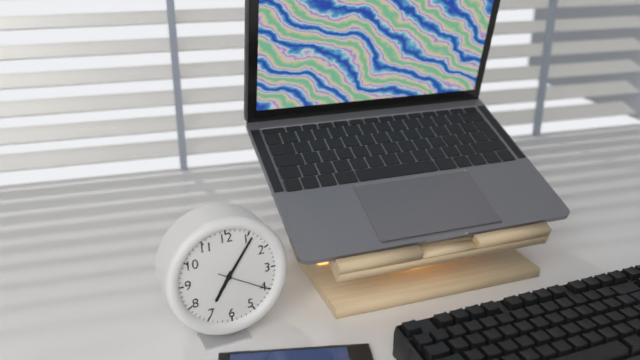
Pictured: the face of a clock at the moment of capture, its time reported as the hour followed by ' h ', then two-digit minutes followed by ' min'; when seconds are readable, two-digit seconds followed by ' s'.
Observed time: 7 h 06 min 20 s
